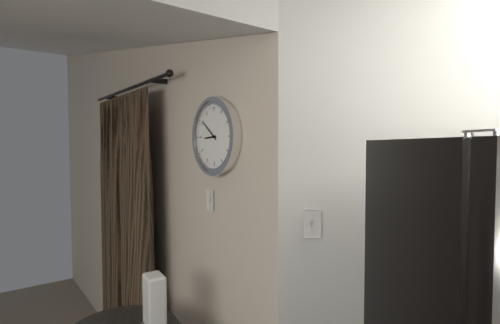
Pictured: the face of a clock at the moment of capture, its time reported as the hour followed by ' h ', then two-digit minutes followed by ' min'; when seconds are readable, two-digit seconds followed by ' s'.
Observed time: 8 h 51 min
